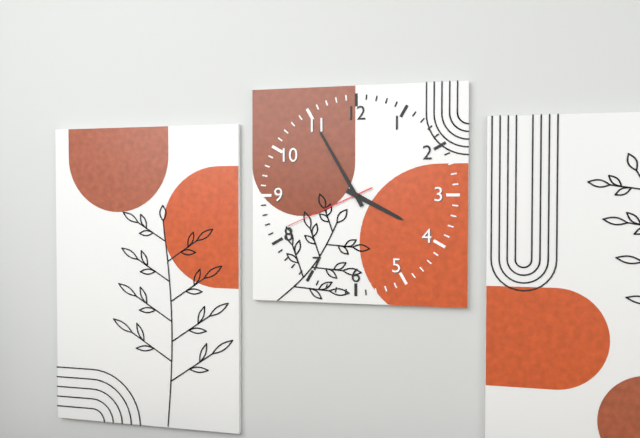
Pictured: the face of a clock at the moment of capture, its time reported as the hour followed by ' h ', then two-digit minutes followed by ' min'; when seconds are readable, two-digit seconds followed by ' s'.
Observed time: 3 h 55 min 41 s
